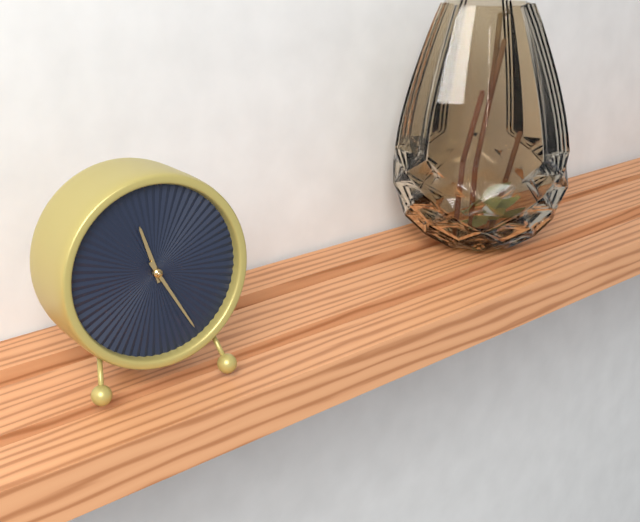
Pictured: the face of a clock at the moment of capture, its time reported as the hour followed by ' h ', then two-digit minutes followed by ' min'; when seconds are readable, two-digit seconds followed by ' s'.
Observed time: 11 h 25 min
